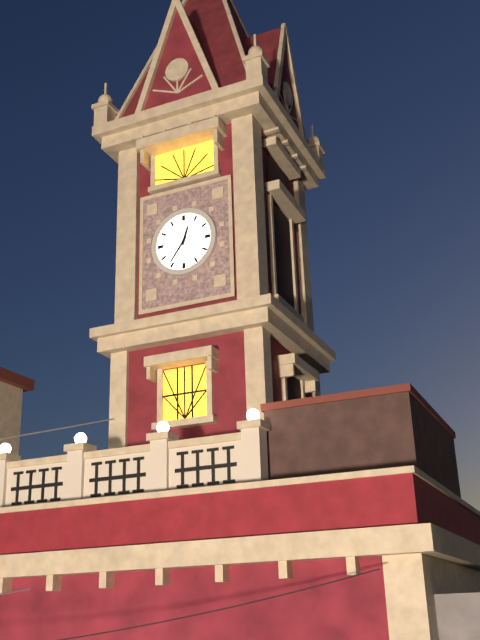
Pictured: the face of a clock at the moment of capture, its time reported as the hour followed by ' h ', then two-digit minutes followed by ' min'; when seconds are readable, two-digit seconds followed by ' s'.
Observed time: 12 h 36 min
